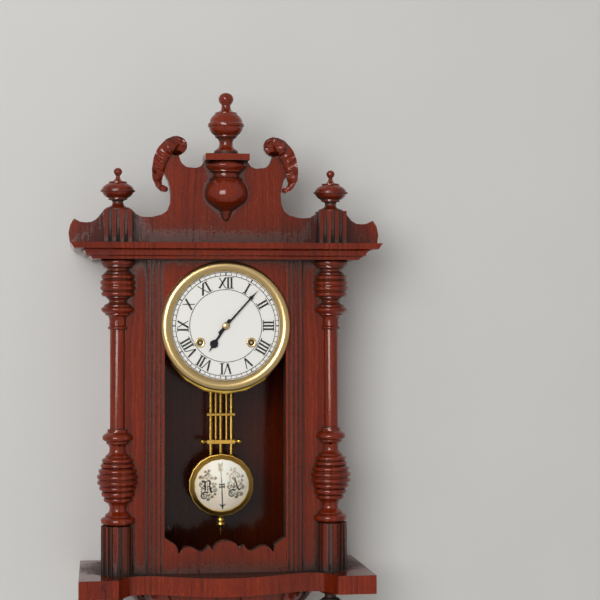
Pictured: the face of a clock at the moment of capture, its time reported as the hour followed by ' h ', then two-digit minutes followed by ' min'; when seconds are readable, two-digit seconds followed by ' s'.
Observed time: 7 h 07 min
